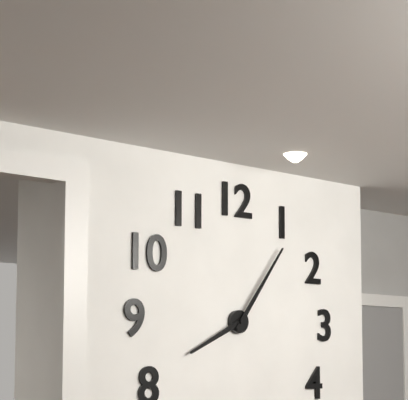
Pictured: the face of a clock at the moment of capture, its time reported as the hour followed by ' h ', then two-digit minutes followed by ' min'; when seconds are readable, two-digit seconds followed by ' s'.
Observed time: 8 h 06 min
